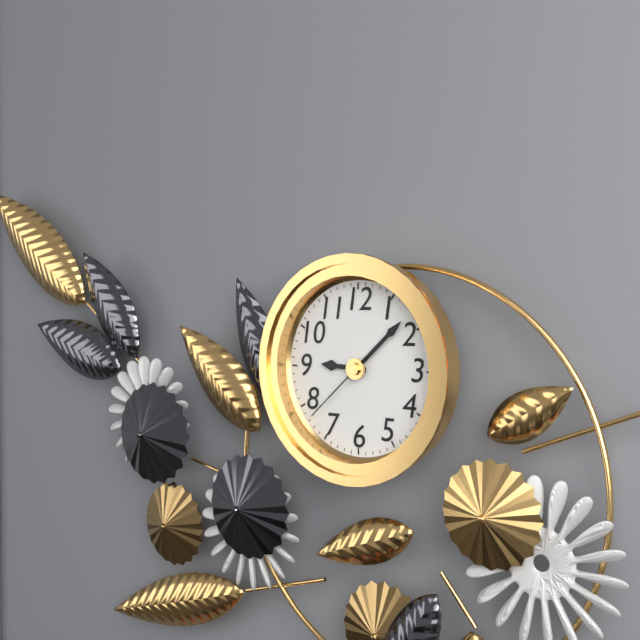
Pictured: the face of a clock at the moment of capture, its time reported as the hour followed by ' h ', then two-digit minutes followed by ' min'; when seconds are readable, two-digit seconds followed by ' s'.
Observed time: 9 h 08 min 38 s
